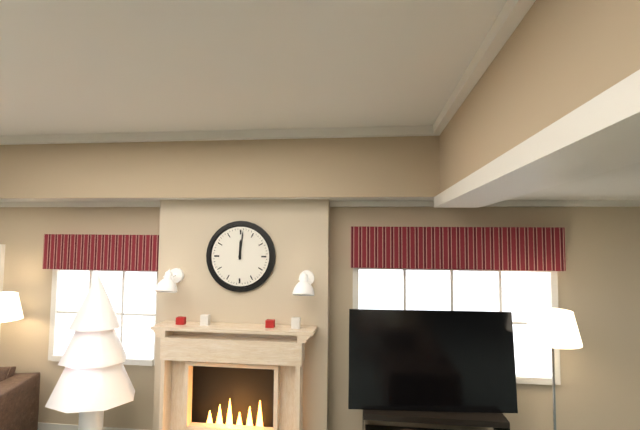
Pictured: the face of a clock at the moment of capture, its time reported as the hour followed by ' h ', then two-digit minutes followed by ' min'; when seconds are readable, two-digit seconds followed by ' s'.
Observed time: 12 h 01 min
